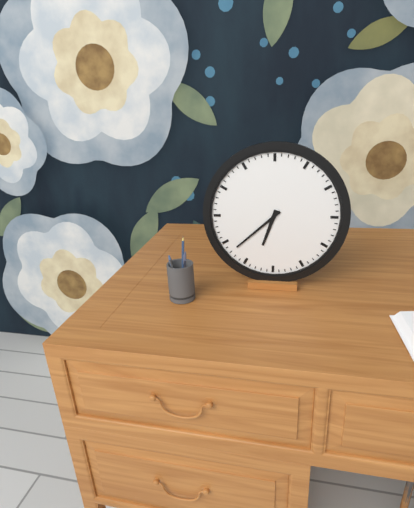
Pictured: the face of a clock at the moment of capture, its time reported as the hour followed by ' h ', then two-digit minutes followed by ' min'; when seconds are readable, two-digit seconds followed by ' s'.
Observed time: 6 h 38 min
